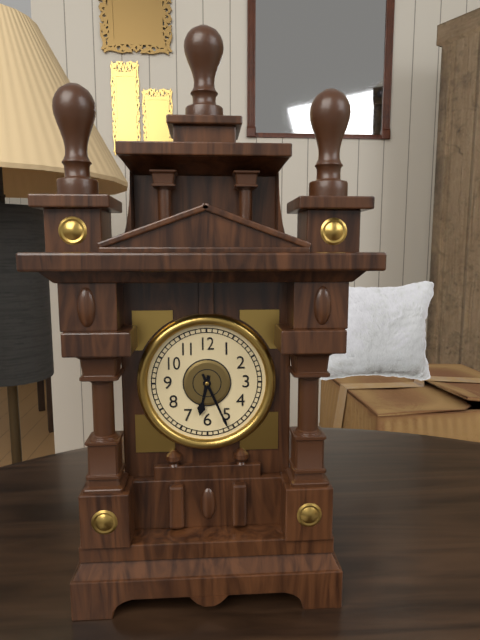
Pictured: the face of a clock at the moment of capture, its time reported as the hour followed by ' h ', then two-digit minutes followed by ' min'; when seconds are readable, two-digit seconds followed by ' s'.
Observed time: 6 h 26 min
